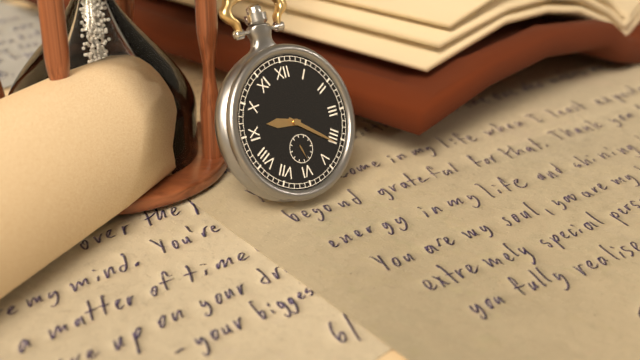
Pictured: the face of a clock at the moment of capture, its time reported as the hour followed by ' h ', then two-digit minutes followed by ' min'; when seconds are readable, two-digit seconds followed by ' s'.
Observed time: 9 h 21 min
